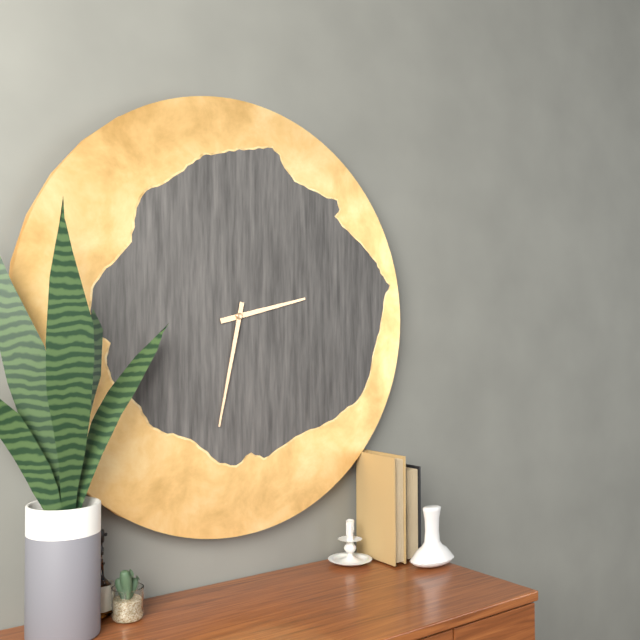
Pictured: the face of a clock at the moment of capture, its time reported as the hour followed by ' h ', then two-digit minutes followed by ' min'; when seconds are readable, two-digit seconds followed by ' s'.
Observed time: 2 h 32 min
